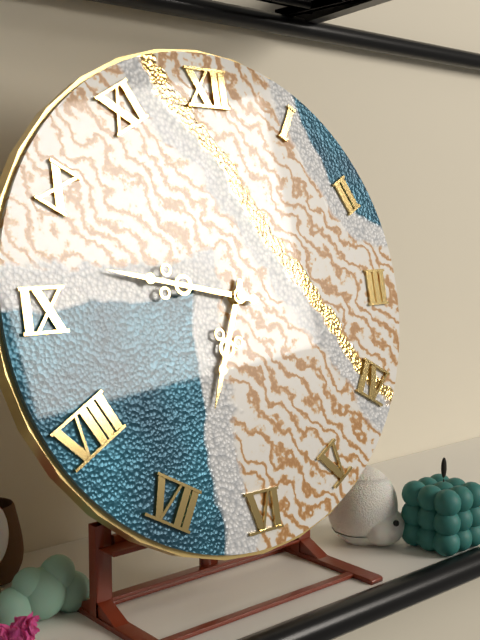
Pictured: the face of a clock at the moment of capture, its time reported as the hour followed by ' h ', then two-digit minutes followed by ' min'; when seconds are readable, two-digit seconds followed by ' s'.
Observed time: 6 h 47 min
